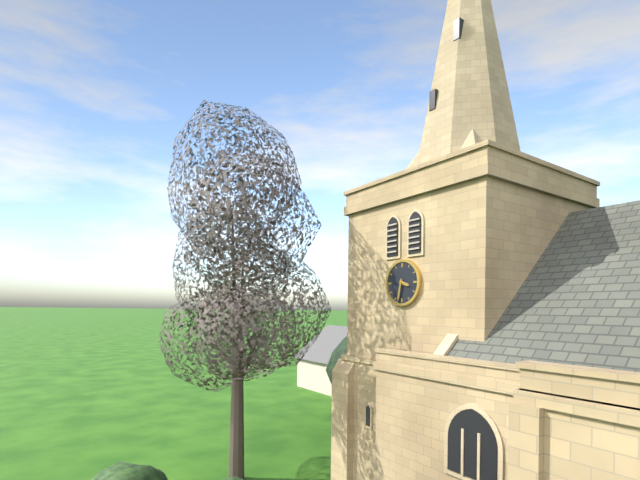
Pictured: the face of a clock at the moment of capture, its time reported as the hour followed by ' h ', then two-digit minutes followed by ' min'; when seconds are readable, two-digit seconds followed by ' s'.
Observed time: 3 h 32 min
